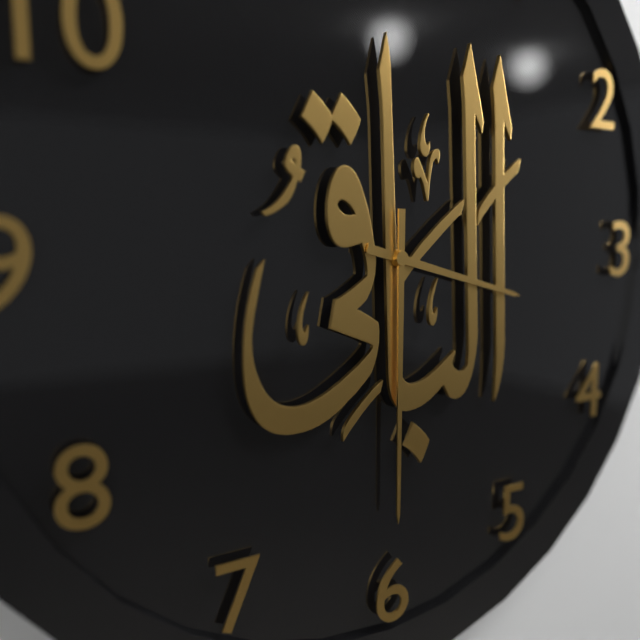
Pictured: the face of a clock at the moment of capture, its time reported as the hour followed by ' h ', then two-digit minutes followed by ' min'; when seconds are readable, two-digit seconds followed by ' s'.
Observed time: 3 h 30 min
